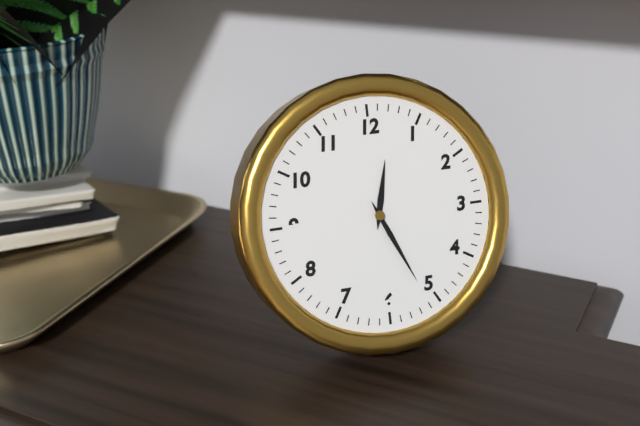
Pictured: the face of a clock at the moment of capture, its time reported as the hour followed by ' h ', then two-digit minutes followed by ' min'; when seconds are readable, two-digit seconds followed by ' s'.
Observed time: 12 h 26 min
